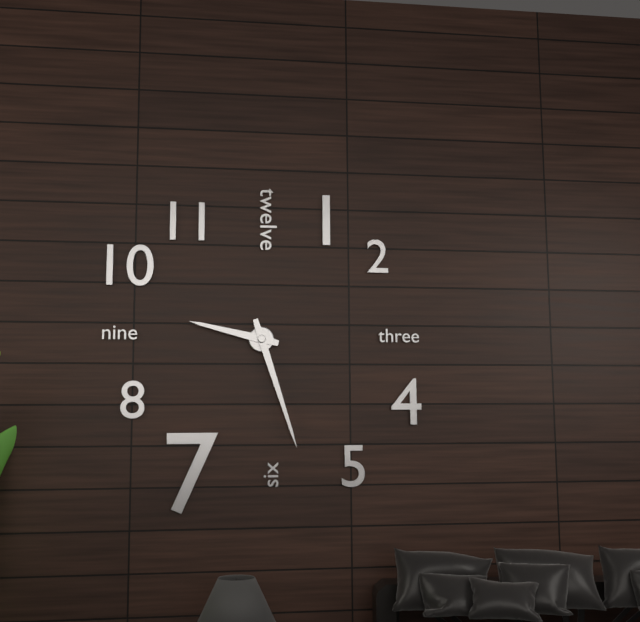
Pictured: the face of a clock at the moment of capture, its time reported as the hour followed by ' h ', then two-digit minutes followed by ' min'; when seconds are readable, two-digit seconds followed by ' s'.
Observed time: 9 h 27 min
